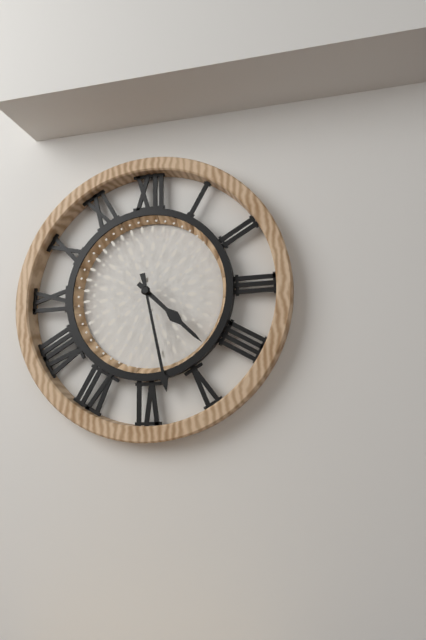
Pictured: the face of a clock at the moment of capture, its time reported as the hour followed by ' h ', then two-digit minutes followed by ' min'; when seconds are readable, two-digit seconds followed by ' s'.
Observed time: 4 h 28 min
